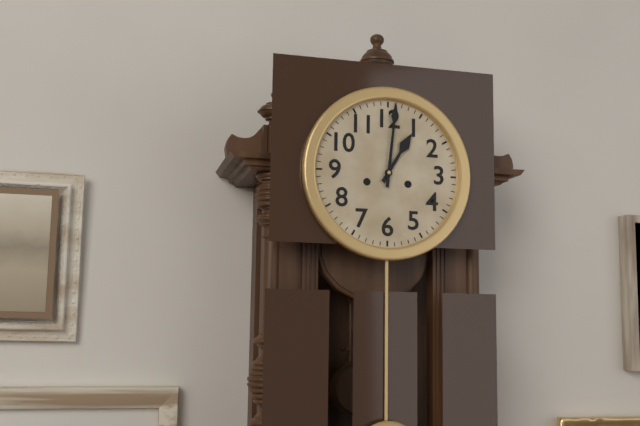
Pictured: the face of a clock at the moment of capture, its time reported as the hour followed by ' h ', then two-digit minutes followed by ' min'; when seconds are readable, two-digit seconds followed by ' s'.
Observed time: 1 h 01 min
